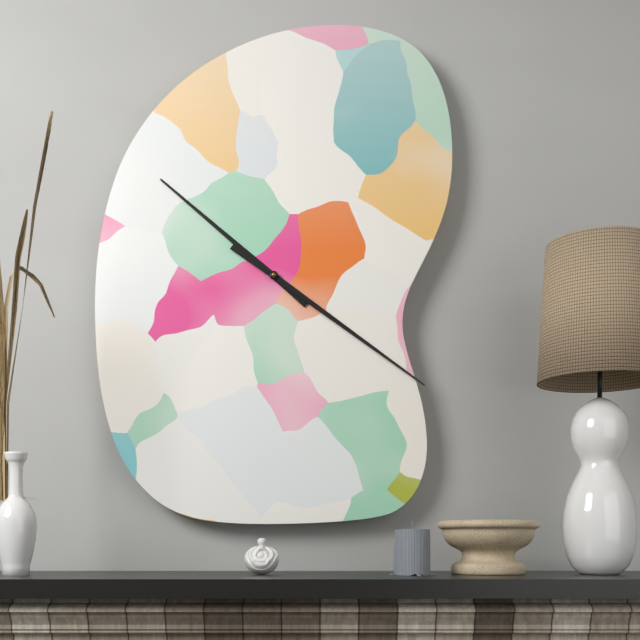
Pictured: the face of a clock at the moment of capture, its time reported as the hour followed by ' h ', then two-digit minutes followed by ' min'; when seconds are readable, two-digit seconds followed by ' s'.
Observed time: 10 h 21 min
